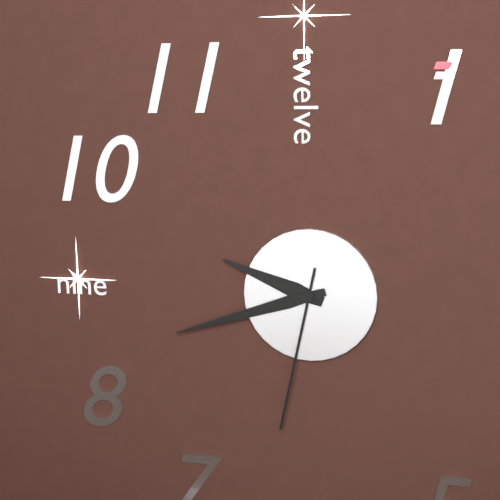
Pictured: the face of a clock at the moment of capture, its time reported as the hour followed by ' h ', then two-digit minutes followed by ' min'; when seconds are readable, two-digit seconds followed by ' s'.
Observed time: 9 h 42 min 32 s
